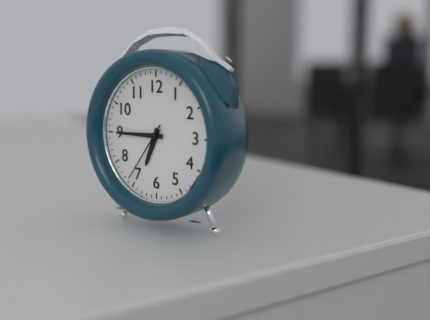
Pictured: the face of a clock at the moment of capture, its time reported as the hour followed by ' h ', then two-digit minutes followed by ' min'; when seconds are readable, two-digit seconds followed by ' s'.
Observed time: 6 h 45 min 36 s
